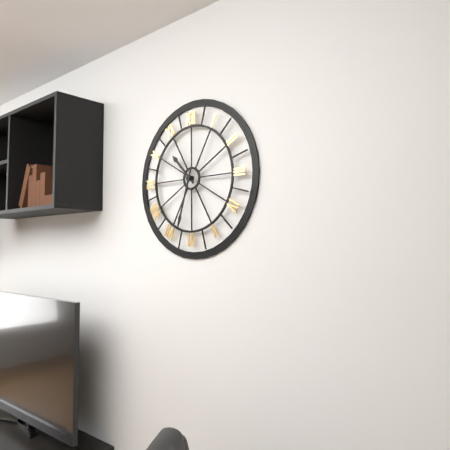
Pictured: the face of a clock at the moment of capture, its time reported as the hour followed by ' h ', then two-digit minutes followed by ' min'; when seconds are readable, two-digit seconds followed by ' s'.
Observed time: 10 h 33 min
